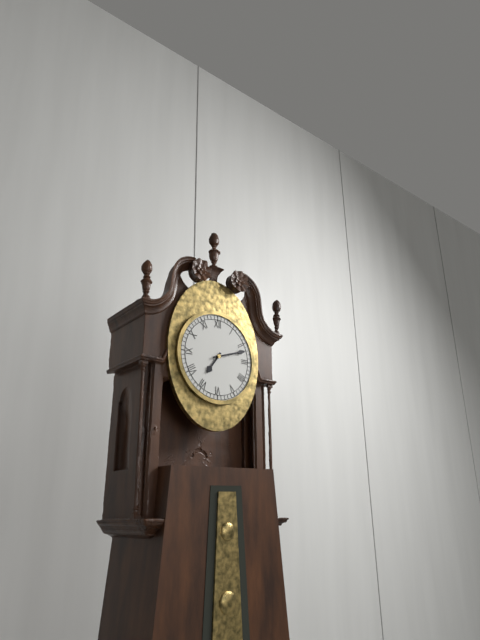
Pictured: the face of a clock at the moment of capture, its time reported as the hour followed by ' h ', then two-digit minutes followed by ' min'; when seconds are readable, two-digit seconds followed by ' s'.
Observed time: 7 h 12 min
